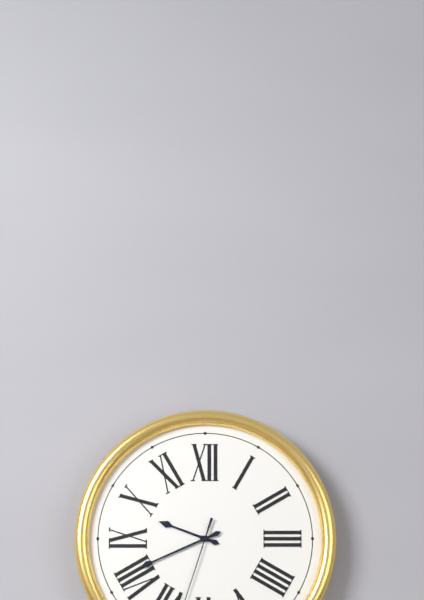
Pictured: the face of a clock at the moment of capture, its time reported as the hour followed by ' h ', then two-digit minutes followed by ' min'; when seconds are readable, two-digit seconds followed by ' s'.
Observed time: 9 h 41 min
